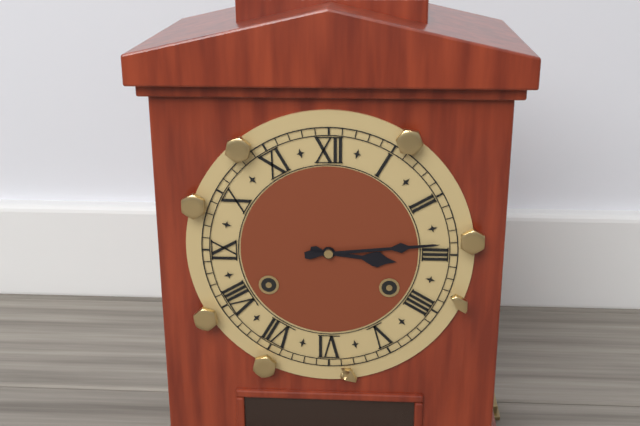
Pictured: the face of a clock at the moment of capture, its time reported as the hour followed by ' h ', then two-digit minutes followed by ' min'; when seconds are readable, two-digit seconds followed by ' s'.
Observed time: 3 h 14 min
